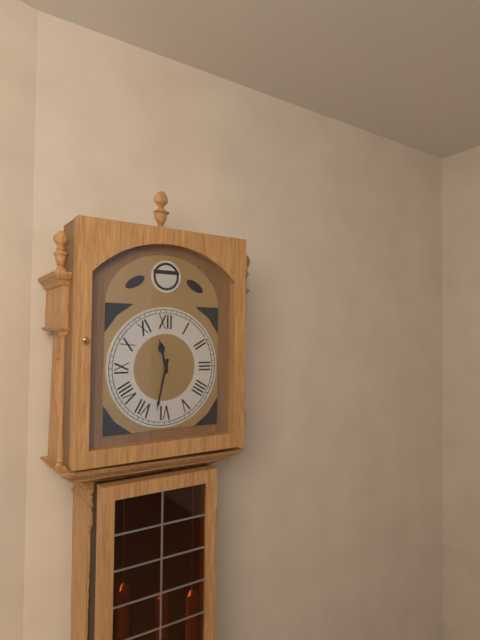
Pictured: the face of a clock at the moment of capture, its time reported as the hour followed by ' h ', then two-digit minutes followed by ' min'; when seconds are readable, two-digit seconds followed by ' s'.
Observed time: 11 h 32 min
